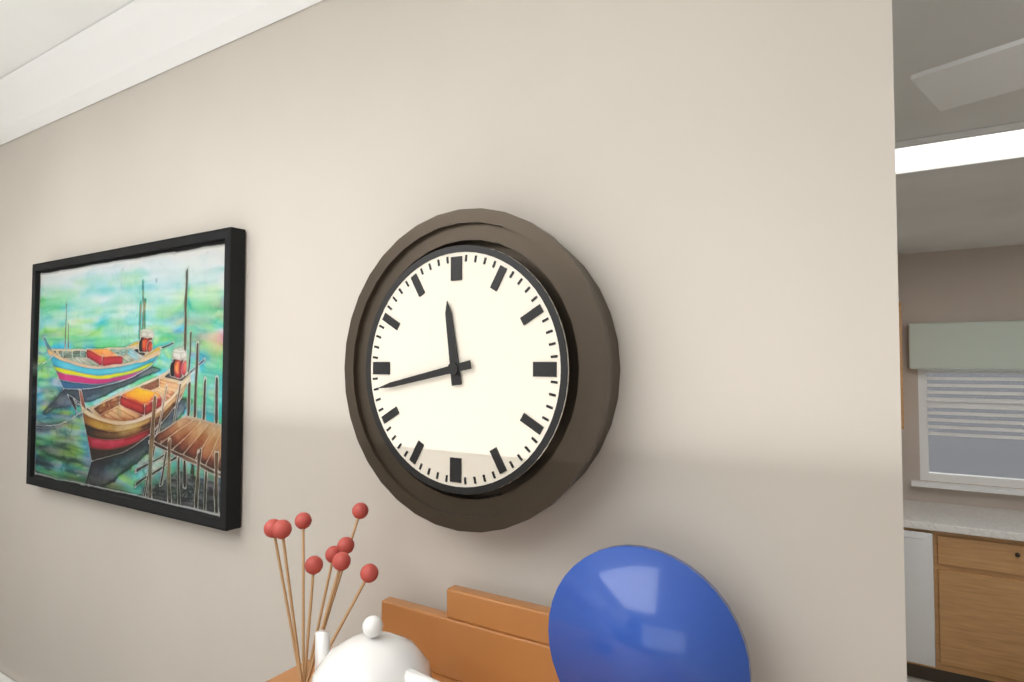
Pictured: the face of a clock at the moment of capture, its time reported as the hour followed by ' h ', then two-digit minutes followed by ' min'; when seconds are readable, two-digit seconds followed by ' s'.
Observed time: 11 h 43 min
